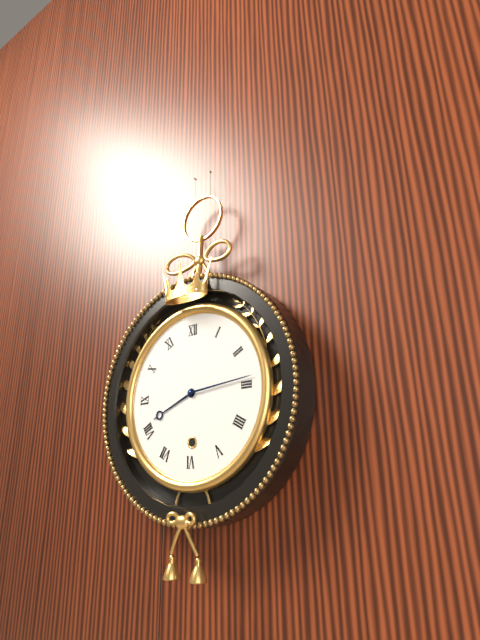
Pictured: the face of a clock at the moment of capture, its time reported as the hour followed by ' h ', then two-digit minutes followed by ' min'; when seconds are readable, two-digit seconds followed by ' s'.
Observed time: 8 h 14 min
